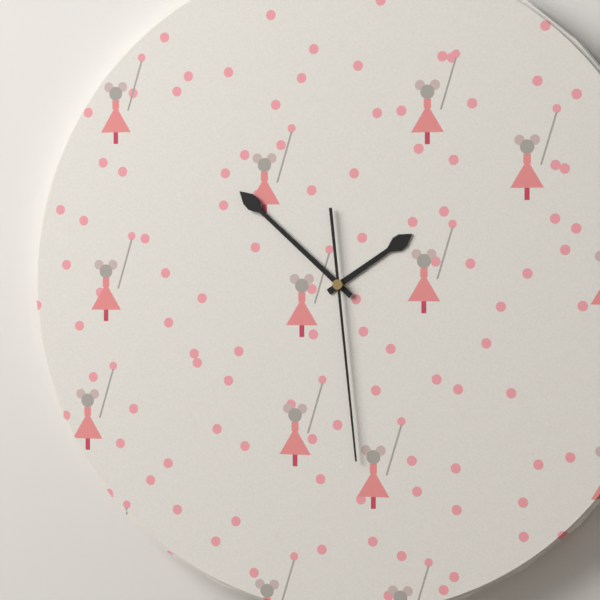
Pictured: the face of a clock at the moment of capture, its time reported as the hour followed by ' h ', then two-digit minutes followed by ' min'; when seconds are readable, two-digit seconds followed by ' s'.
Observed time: 1 h 52 min 29 s
